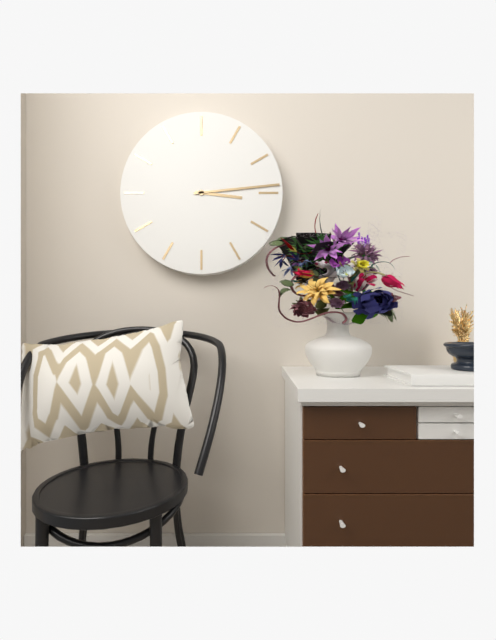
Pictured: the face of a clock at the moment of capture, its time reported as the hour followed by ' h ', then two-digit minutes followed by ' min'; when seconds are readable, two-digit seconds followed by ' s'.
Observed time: 3 h 14 min
